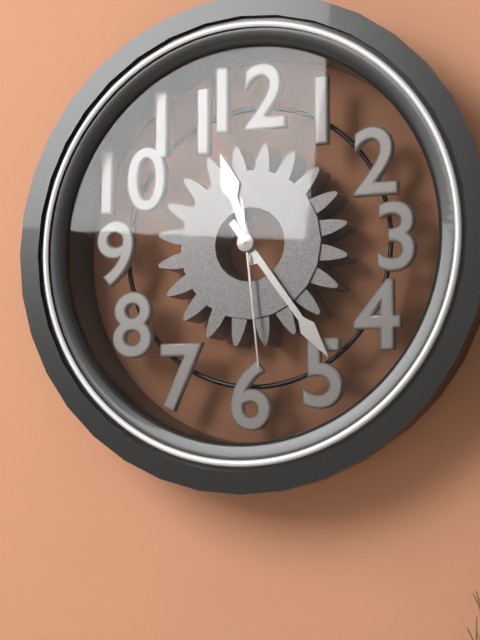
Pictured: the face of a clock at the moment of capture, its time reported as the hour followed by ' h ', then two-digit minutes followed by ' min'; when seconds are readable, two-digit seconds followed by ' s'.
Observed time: 11 h 24 min 29 s
